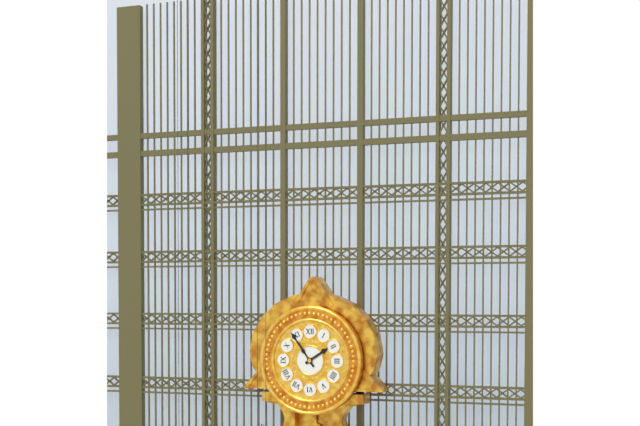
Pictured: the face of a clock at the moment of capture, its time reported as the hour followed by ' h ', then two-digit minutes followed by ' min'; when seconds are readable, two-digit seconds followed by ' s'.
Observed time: 1 h 54 min
